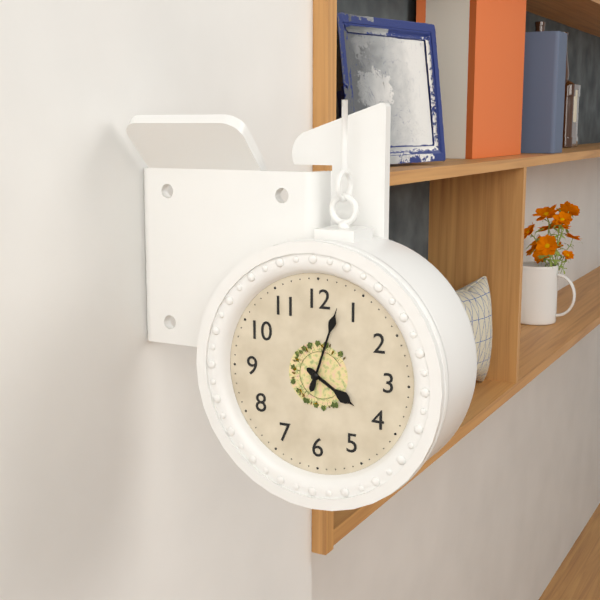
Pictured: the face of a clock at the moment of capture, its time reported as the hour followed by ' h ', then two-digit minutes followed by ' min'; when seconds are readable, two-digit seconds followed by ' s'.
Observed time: 4 h 03 min
